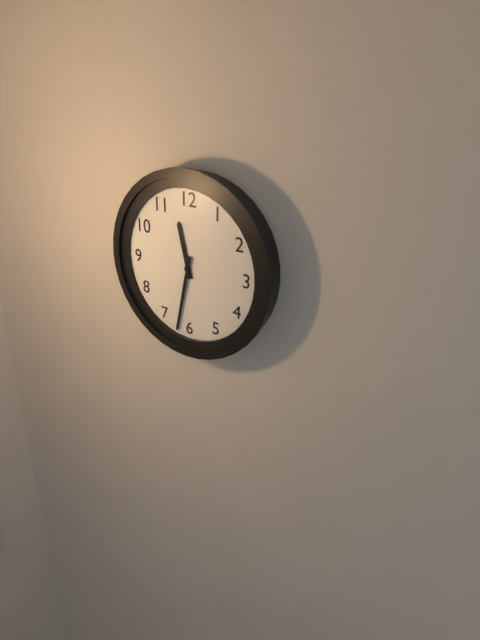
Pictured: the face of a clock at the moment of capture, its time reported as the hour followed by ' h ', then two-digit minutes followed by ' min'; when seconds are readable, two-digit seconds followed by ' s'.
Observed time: 11 h 32 min
